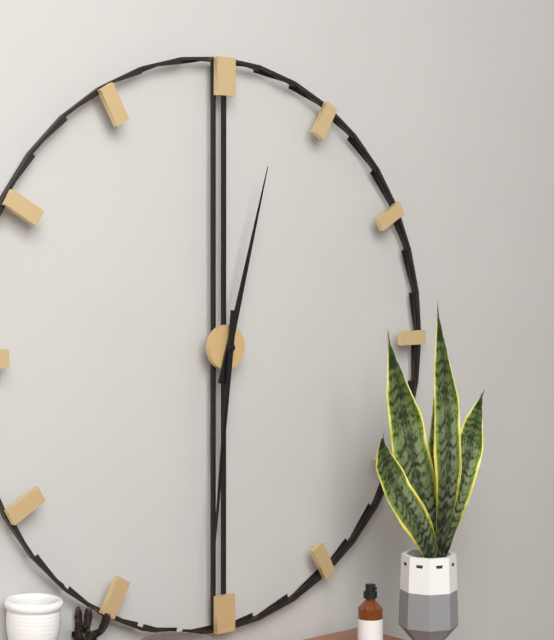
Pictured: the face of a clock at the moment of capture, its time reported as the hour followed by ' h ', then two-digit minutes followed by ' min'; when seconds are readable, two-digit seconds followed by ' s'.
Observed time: 12 h 31 min
